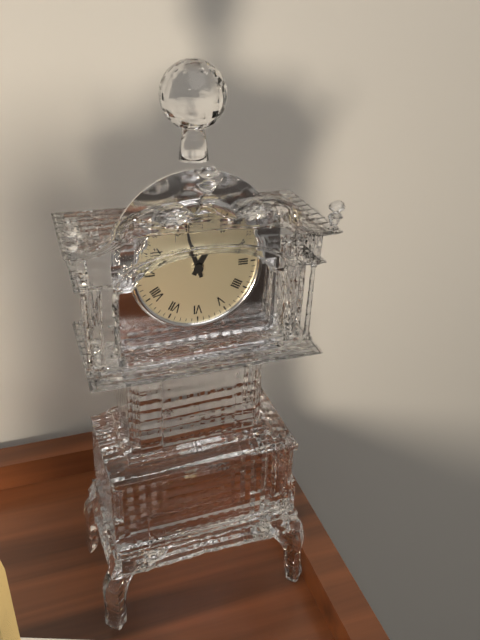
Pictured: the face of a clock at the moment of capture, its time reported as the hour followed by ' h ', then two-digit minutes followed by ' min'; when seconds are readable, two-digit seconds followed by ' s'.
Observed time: 12 h 57 min
